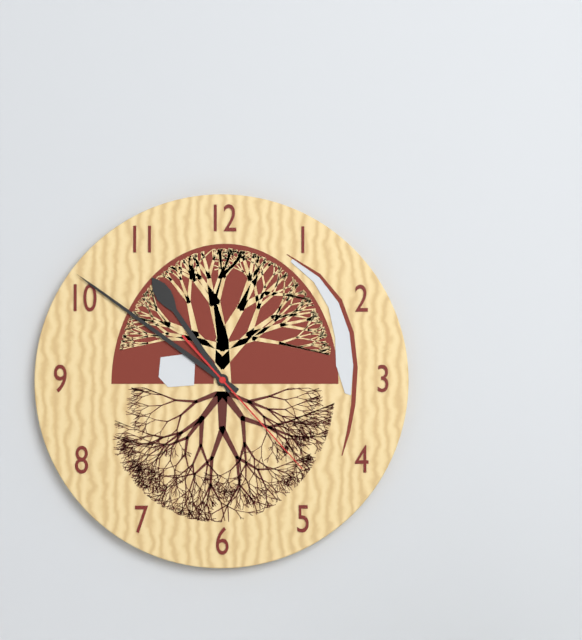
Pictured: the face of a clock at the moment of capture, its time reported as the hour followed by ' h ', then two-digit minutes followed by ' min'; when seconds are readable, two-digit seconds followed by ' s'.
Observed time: 10 h 51 min 23 s
